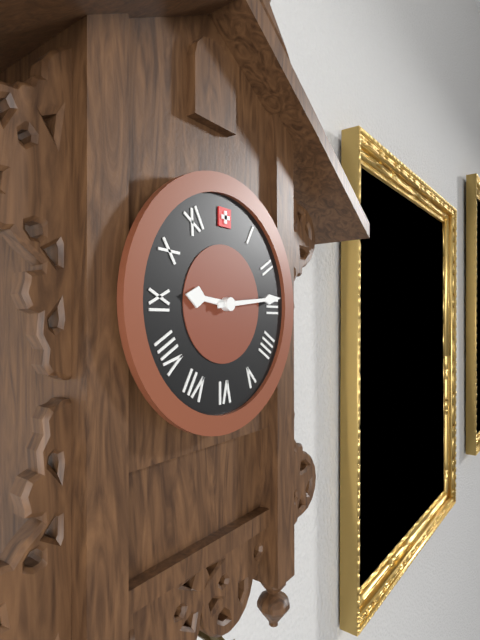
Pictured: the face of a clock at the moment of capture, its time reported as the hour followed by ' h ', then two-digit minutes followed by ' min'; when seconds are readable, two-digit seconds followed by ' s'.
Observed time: 9 h 14 min
